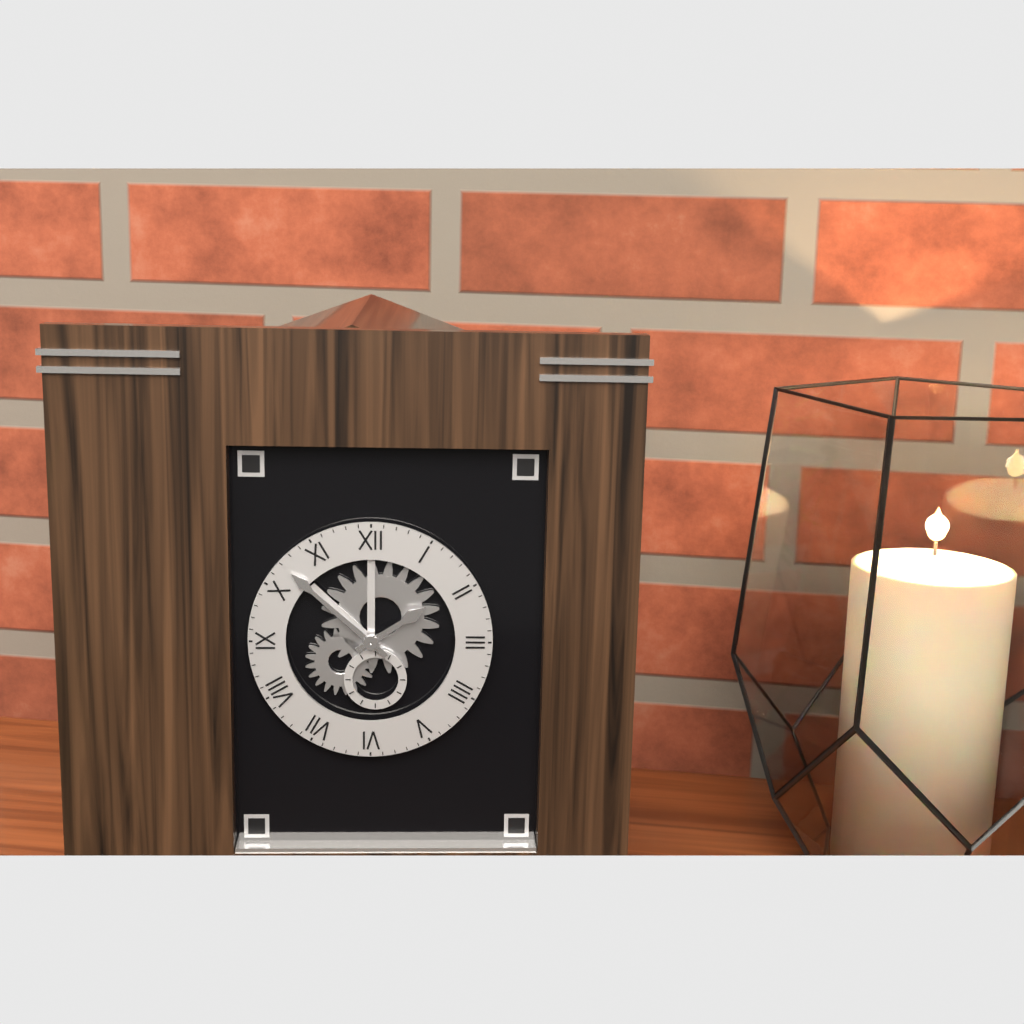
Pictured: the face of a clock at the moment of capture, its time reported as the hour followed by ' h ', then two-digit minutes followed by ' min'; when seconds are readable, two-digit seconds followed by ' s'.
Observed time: 1 h 52 min
